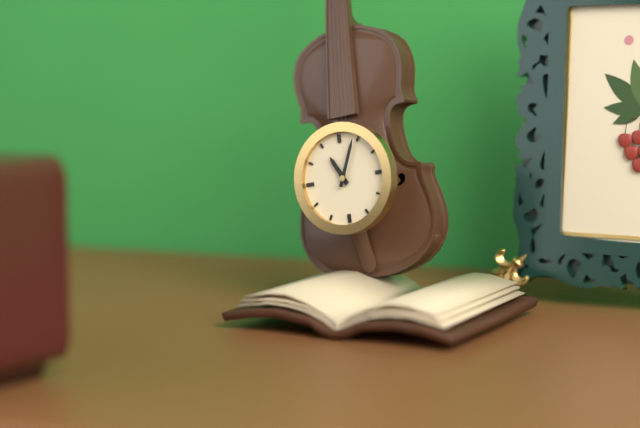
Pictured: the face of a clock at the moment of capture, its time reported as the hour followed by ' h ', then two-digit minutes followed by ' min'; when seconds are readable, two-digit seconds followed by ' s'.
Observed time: 11 h 04 min
